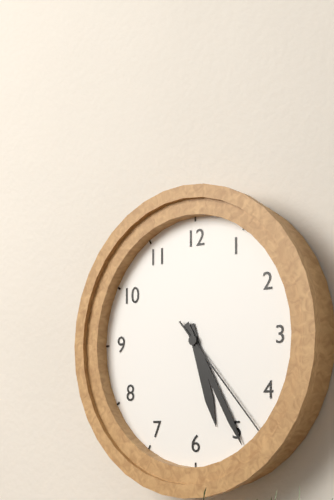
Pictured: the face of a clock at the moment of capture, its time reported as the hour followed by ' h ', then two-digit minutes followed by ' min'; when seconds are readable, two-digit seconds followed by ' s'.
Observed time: 5 h 25 min 23 s
